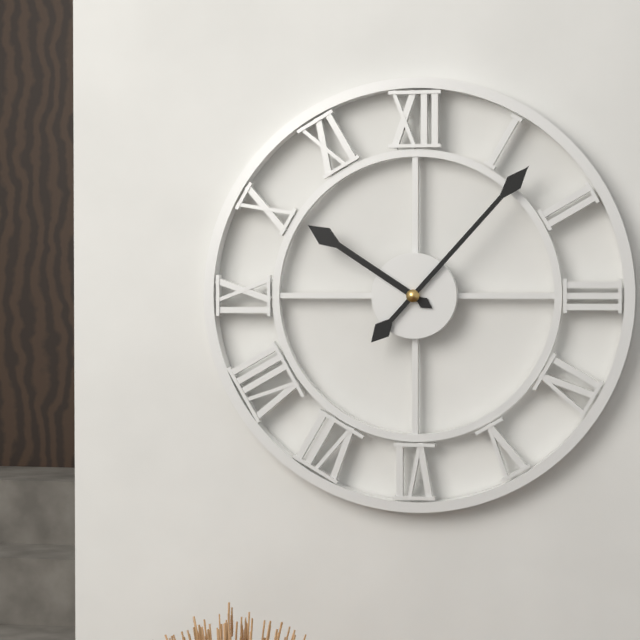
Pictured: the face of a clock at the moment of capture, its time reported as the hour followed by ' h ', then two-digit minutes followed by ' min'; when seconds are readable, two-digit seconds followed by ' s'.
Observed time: 10 h 07 min
